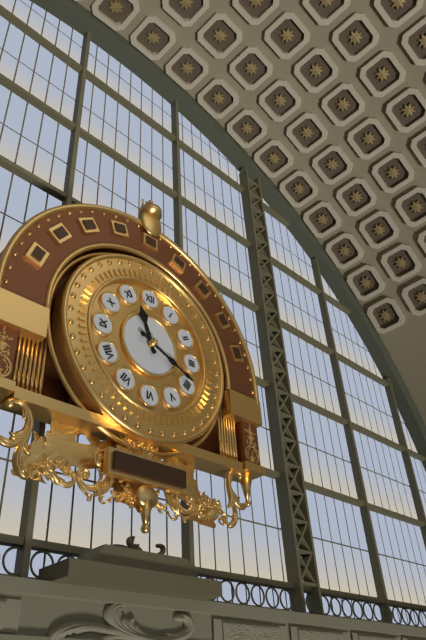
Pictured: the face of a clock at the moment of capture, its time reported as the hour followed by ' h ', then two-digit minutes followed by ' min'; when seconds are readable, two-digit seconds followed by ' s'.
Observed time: 11 h 19 min
